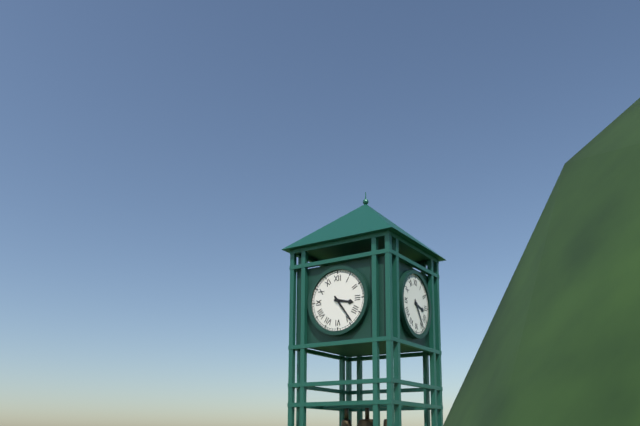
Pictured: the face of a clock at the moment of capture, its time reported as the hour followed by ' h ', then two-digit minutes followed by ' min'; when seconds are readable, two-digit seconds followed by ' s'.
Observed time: 3 h 24 min
